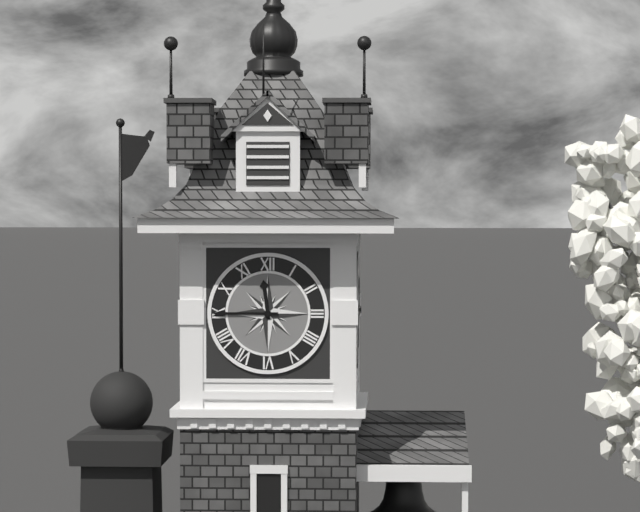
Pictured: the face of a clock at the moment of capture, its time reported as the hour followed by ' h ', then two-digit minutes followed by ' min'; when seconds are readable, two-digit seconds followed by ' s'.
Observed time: 11 h 45 min
